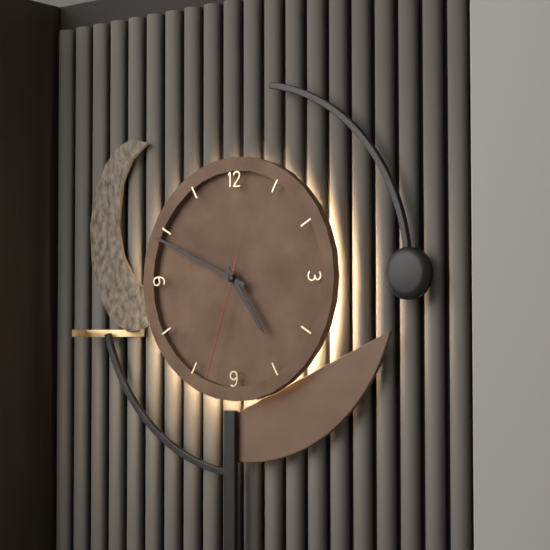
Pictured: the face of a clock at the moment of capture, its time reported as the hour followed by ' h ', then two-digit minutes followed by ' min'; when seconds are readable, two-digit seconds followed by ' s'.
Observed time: 4 h 49 min 33 s
